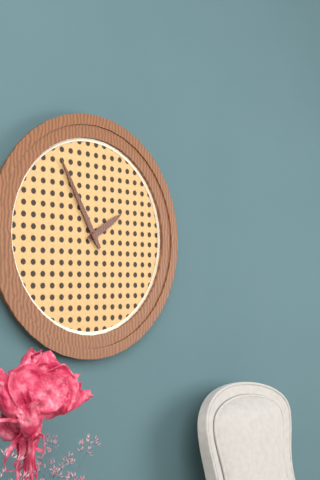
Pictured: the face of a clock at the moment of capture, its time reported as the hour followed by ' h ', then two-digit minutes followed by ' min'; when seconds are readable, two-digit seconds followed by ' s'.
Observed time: 1 h 55 min
